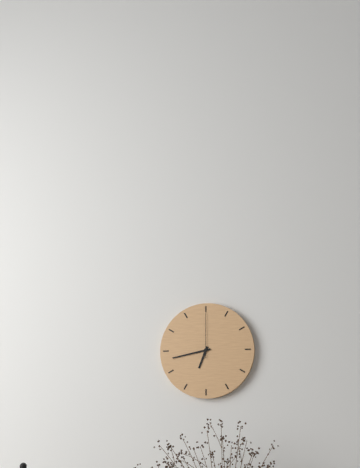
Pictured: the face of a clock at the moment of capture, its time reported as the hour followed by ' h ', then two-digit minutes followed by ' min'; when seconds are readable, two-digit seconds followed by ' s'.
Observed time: 6 h 43 min
